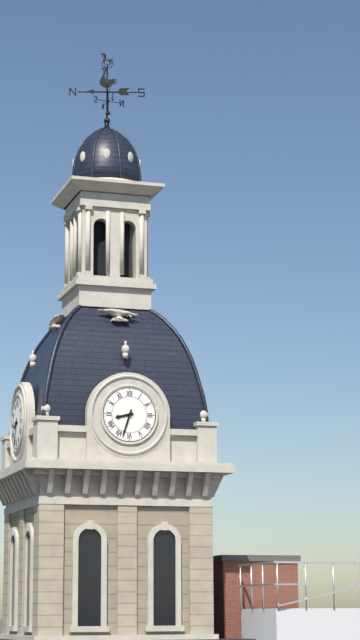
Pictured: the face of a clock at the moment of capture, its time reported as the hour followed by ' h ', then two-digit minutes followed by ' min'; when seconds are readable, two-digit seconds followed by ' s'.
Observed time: 8 h 33 min
